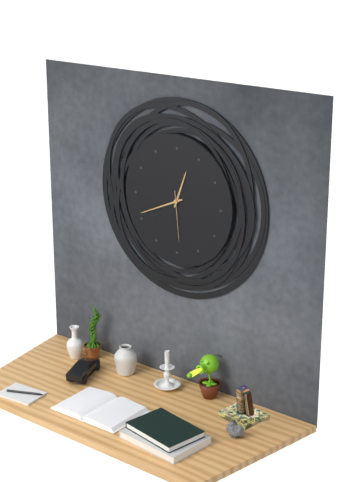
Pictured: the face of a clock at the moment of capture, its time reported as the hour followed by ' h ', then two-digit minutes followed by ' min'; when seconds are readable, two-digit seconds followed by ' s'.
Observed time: 12 h 41 min 29 s
